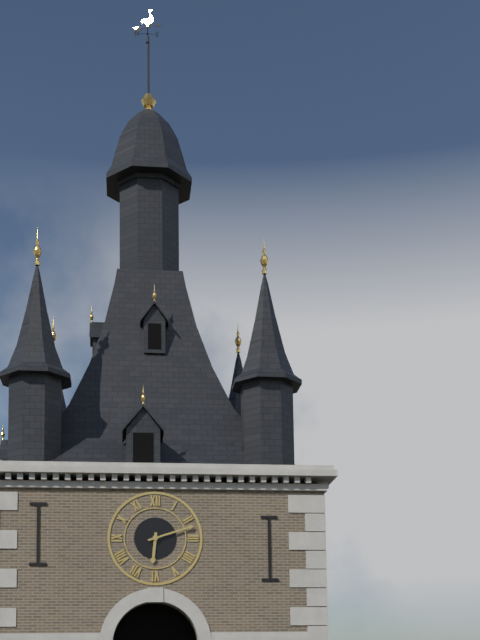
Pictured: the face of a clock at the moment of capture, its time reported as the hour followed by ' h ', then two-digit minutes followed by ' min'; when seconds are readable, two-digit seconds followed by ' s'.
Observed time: 6 h 12 min
